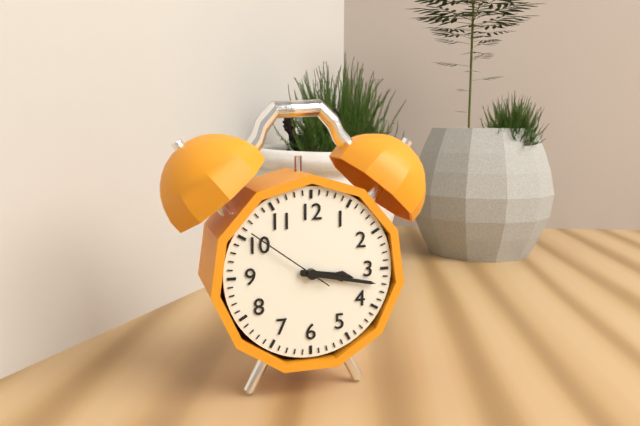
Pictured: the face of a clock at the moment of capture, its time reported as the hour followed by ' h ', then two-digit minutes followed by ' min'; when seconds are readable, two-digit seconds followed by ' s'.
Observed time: 3 h 17 min 51 s
